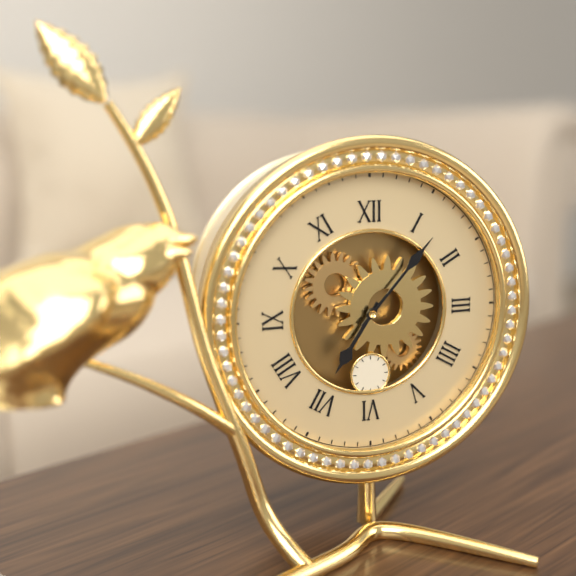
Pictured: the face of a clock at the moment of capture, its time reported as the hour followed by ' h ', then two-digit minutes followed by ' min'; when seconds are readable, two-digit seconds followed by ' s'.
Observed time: 7 h 07 min
